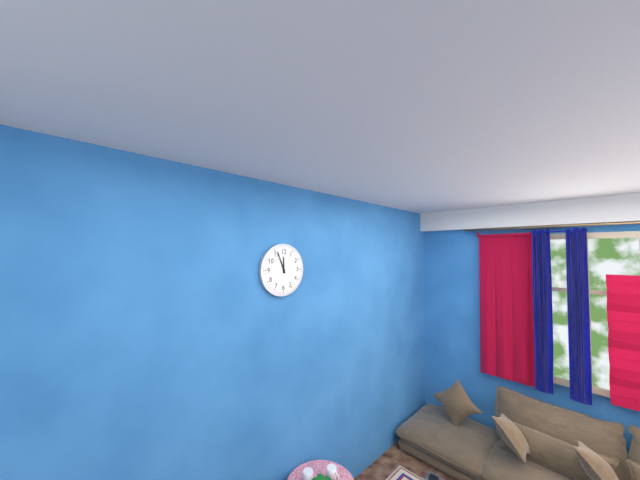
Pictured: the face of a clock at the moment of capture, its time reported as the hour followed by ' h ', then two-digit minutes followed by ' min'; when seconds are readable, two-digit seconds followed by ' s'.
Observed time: 11 h 56 min
